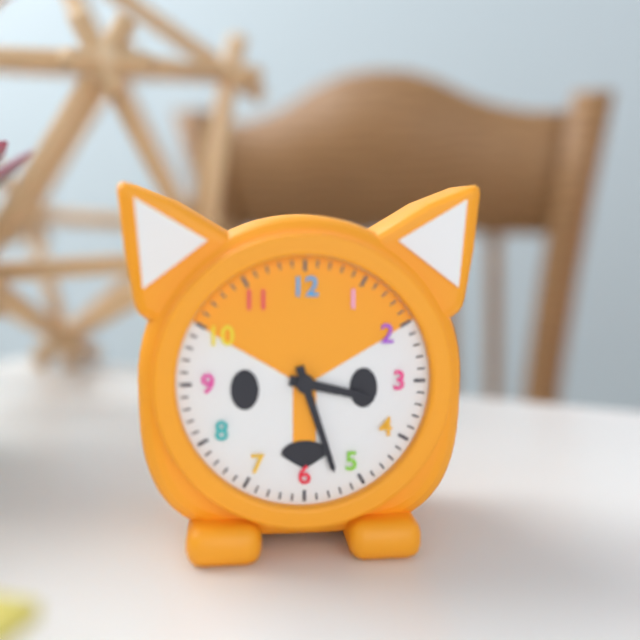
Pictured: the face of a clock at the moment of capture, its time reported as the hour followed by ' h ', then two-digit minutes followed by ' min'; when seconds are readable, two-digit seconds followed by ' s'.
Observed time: 3 h 27 min
